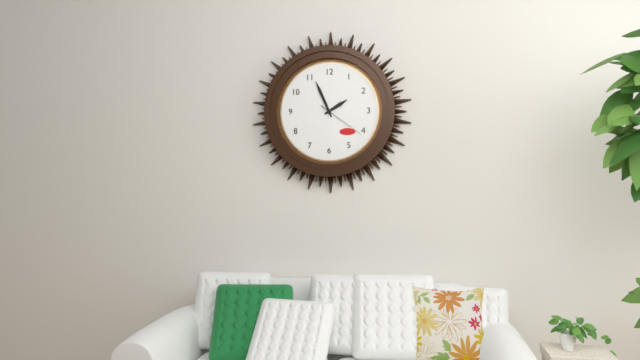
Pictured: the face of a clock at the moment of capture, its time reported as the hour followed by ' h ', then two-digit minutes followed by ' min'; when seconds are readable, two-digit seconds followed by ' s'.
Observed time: 1 h 56 min
